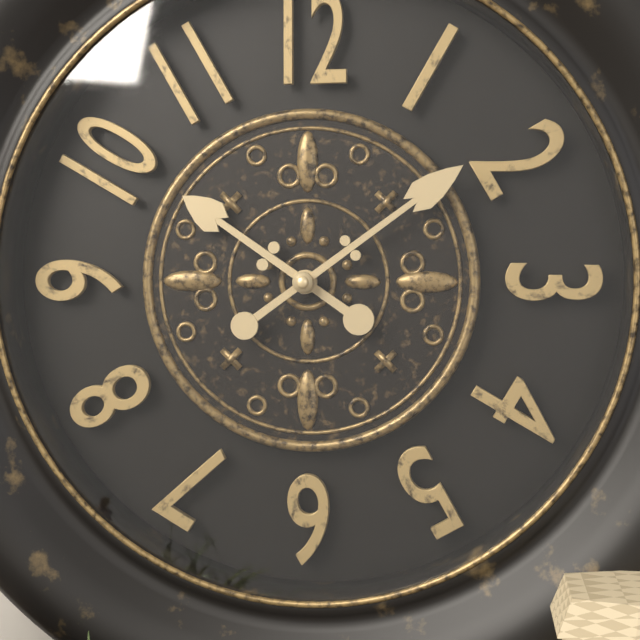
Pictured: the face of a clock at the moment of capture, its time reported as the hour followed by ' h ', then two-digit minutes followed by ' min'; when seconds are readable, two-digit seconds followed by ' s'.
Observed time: 10 h 09 min
